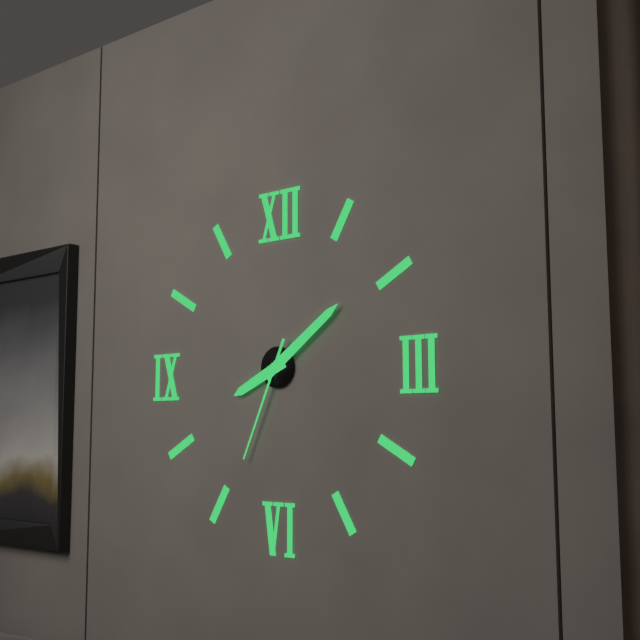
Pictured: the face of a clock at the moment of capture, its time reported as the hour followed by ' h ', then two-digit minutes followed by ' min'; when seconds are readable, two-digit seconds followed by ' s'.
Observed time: 8 h 09 min 34 s
